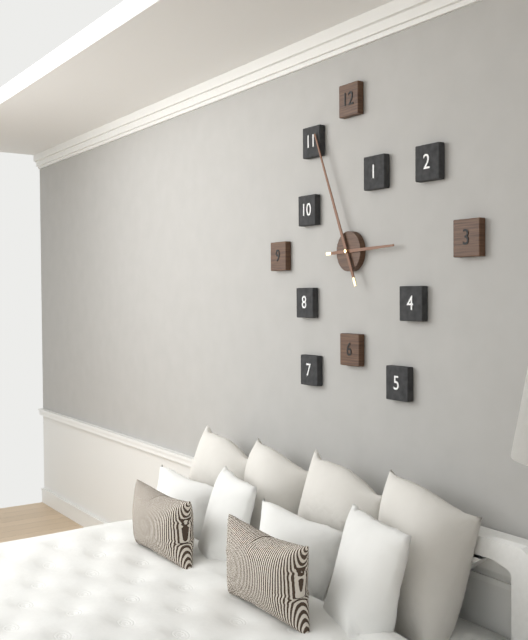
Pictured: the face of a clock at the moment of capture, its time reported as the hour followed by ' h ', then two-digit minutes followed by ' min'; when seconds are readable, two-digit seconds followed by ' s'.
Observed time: 2 h 56 min
